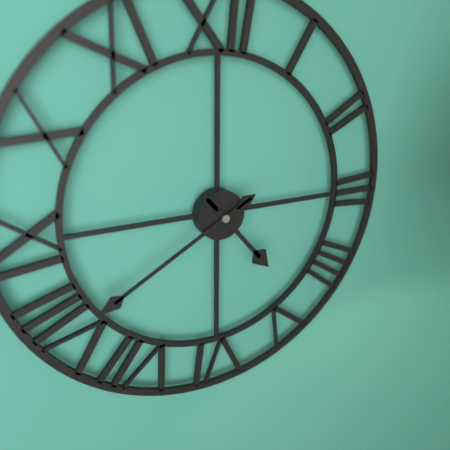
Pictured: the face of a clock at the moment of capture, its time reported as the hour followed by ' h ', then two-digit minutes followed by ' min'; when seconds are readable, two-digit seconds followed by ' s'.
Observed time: 4 h 40 min
